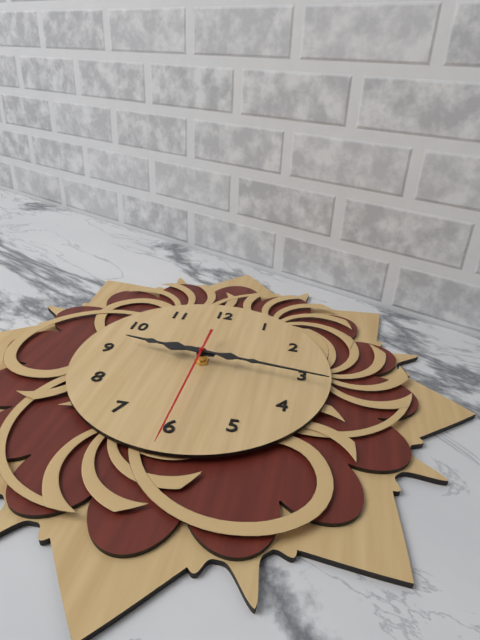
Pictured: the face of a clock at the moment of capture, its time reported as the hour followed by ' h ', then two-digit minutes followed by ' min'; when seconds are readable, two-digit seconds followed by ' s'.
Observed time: 9 h 16 min 30 s
